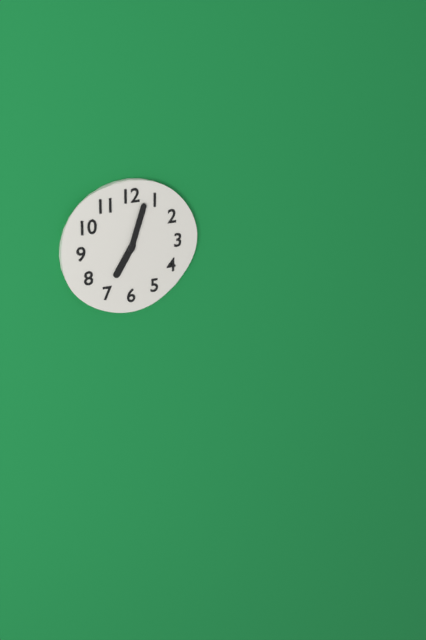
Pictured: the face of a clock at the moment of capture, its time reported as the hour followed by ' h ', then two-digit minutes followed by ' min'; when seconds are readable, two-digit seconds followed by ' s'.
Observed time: 7 h 03 min
